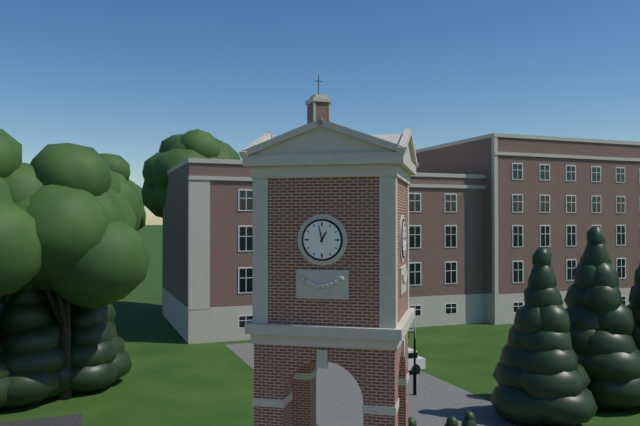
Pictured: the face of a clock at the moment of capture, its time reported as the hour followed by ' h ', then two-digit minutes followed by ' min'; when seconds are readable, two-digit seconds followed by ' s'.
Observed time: 12 h 58 min
